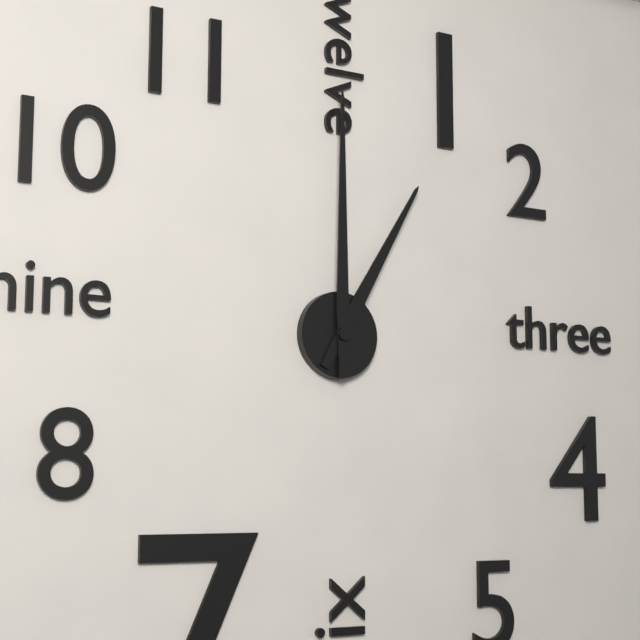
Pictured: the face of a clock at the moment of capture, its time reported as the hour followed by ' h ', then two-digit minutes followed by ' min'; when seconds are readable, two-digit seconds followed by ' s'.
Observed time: 1 h 00 min
